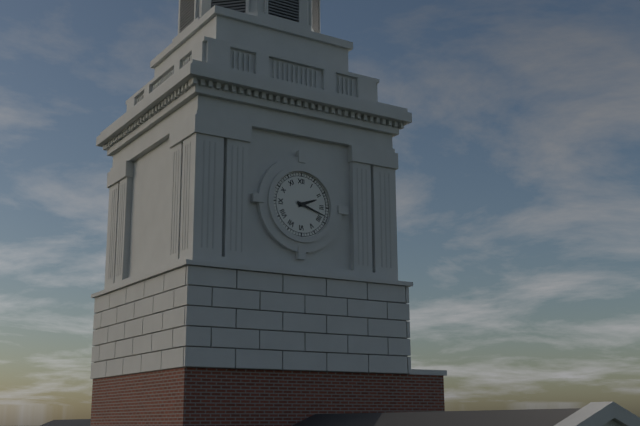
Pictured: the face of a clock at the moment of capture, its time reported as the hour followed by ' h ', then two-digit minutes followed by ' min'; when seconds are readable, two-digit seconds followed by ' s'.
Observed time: 2 h 18 min
